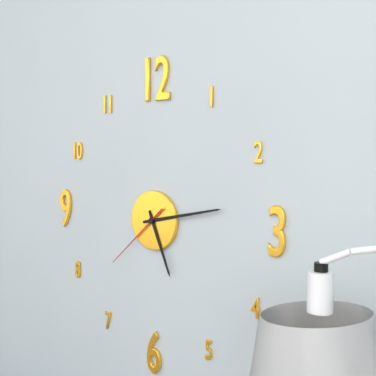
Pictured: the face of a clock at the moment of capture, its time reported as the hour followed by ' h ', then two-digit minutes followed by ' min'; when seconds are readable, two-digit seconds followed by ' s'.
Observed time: 5 h 13 min 38 s
